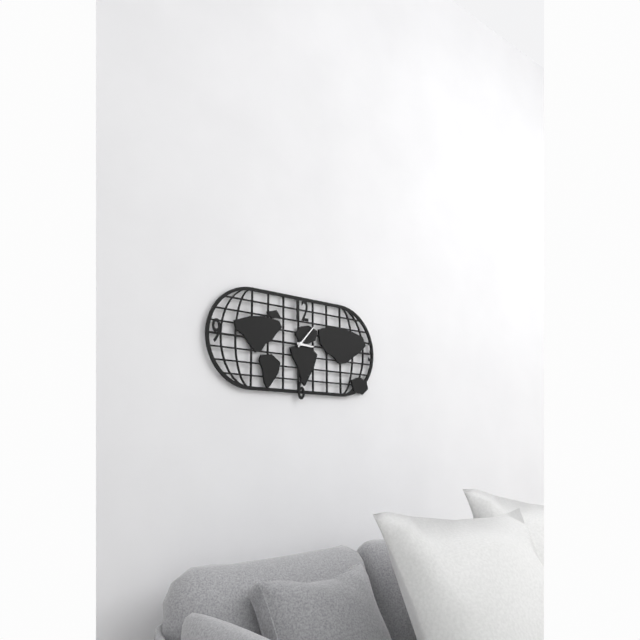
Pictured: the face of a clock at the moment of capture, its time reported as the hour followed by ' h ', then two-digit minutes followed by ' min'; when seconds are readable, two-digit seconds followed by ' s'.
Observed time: 3 h 07 min
